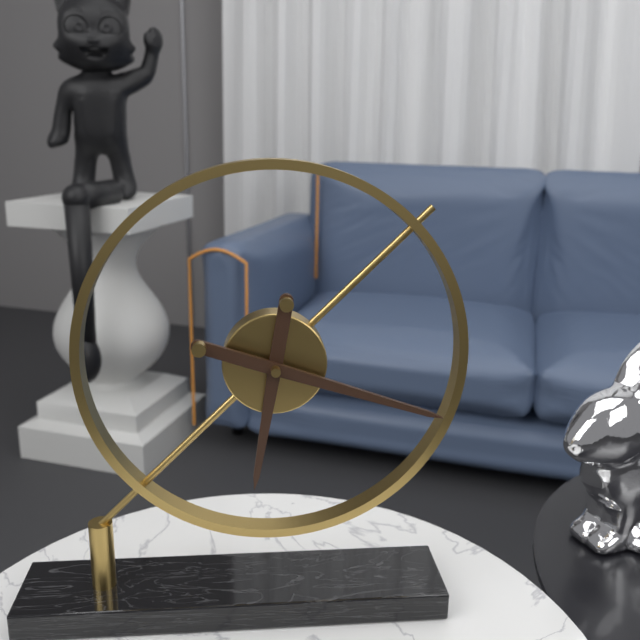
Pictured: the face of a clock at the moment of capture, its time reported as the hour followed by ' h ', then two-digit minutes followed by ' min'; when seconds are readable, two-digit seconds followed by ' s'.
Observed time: 6 h 18 min
